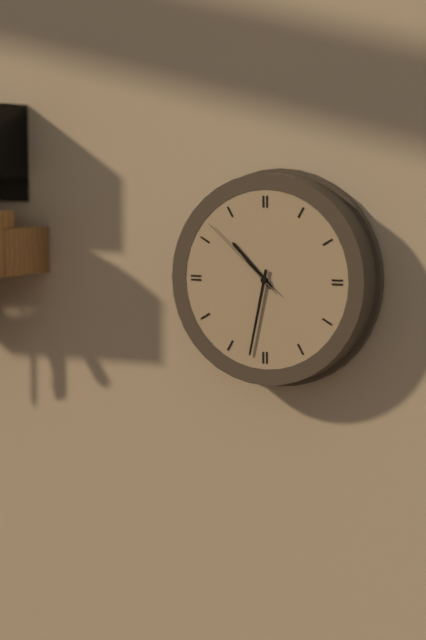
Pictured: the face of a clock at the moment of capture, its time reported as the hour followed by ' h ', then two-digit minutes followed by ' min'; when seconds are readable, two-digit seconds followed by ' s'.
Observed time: 10 h 32 min 52 s
